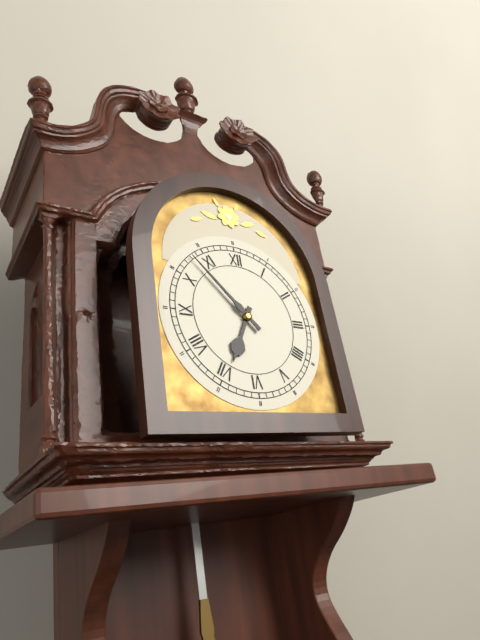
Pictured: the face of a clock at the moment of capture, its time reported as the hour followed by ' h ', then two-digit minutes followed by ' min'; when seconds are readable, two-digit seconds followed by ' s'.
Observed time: 6 h 53 min
